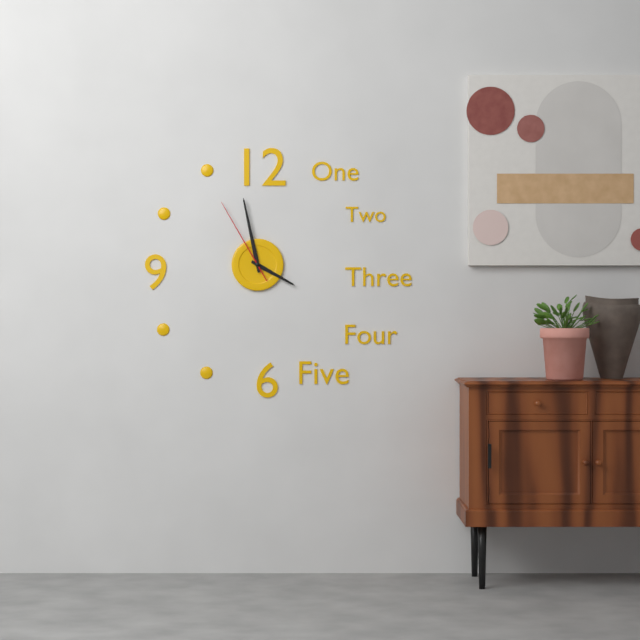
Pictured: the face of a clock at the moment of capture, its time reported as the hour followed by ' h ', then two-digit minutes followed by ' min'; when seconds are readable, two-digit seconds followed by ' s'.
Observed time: 3 h 58 min 55 s
